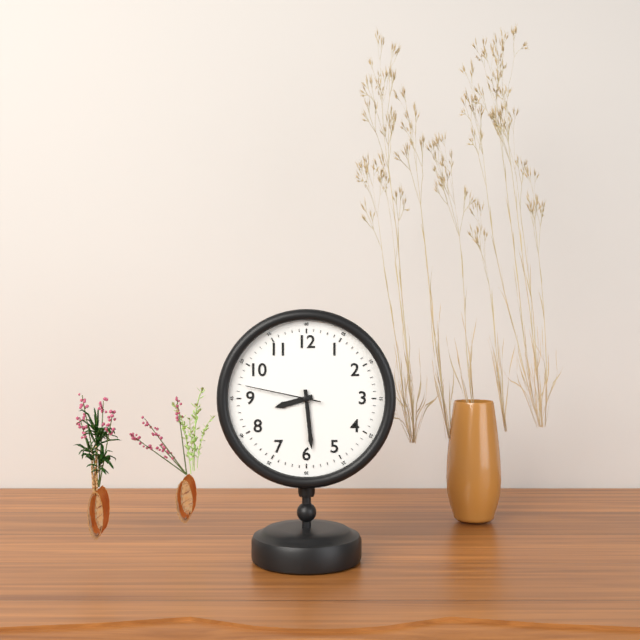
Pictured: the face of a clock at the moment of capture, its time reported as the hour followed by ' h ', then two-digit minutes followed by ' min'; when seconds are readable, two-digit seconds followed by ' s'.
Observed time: 8 h 29 min 47 s
